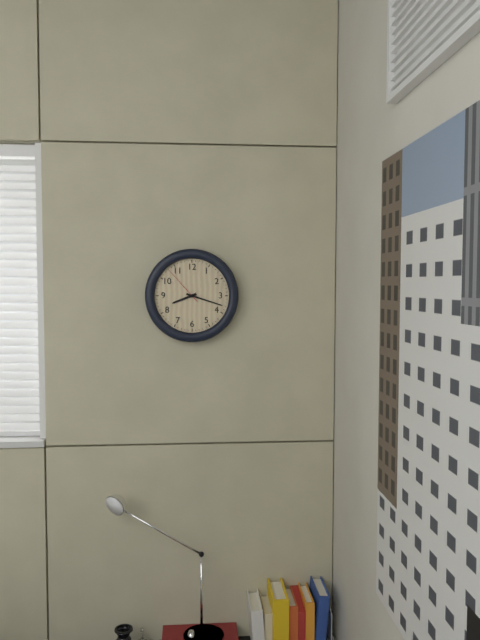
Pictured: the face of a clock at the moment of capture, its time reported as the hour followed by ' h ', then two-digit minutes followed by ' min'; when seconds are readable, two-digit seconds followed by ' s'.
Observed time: 8 h 18 min
